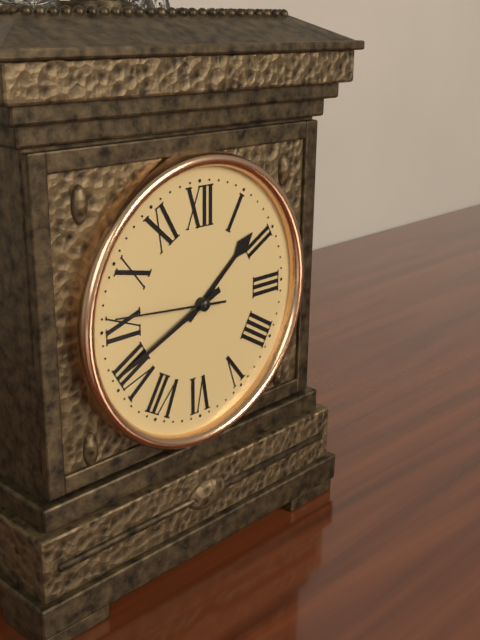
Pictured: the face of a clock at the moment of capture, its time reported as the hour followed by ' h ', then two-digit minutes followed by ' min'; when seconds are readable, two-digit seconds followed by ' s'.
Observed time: 1 h 41 min 46 s
